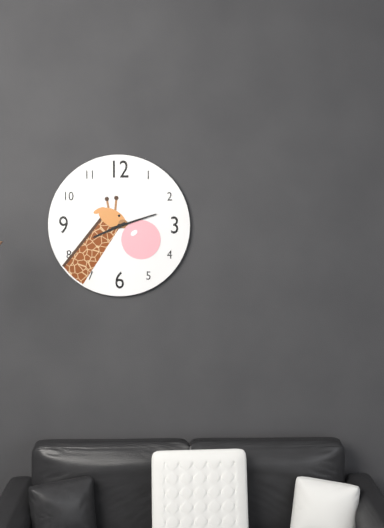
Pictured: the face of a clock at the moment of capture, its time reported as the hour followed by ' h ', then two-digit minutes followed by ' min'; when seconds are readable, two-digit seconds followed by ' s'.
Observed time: 8 h 12 min
